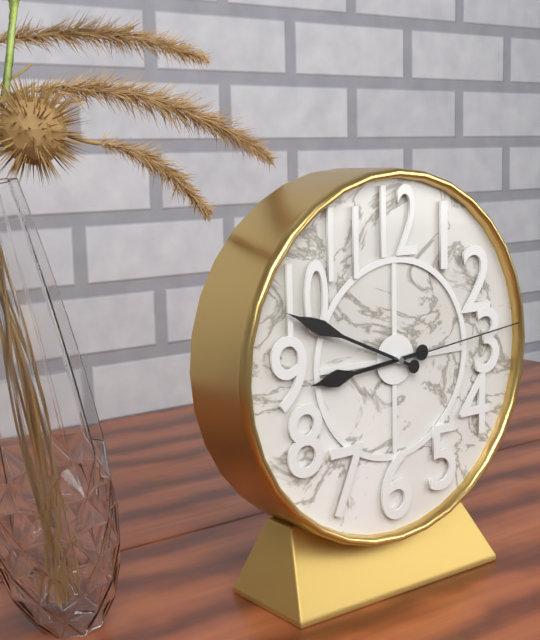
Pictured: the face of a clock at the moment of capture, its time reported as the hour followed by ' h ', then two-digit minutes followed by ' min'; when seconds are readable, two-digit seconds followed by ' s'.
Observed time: 8 h 49 min 14 s
